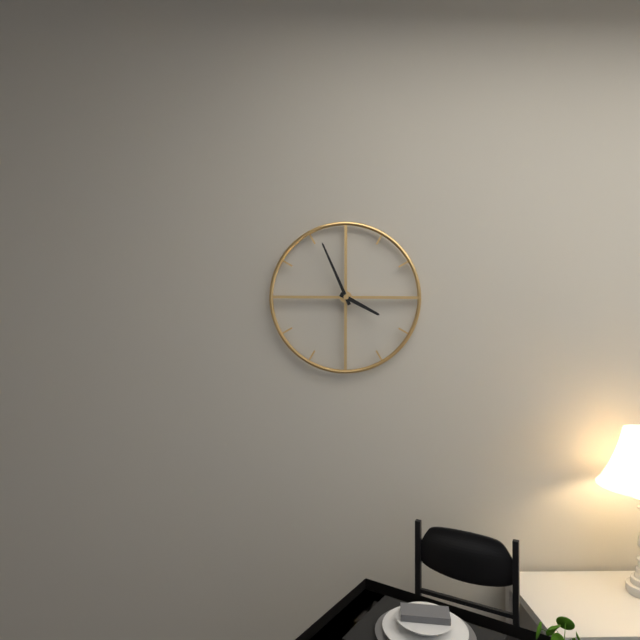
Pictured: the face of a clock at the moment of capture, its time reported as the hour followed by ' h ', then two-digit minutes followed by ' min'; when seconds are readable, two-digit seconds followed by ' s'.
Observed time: 3 h 56 min
